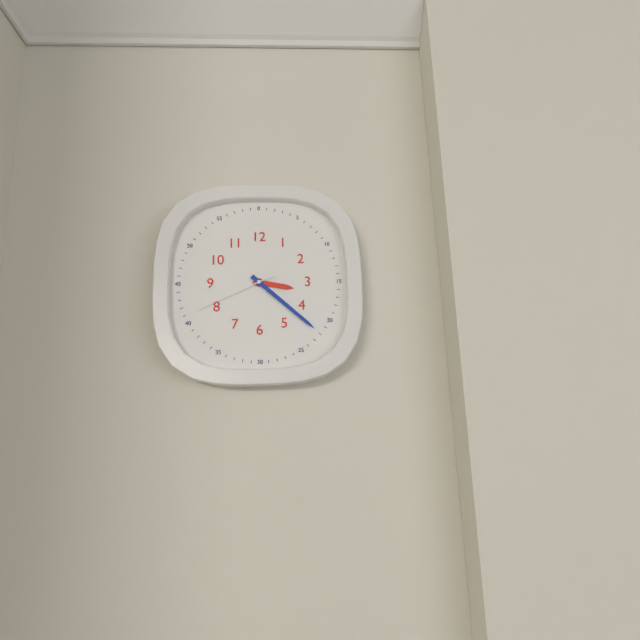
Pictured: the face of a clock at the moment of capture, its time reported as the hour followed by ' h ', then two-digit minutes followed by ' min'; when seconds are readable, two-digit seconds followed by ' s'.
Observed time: 3 h 22 min 41 s
